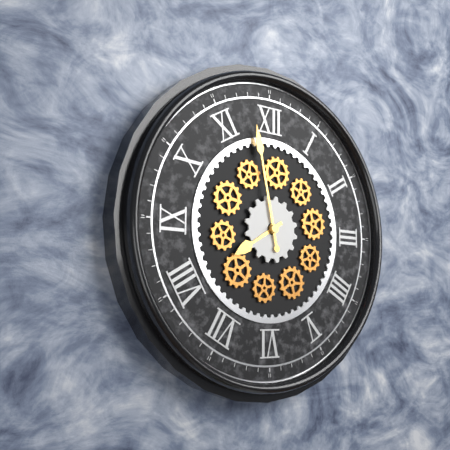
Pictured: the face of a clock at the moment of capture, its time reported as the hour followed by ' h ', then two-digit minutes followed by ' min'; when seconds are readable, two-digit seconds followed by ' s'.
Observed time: 7 h 58 min
